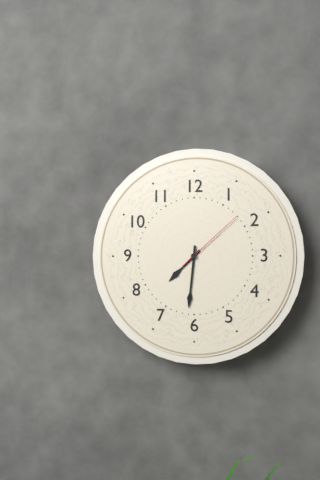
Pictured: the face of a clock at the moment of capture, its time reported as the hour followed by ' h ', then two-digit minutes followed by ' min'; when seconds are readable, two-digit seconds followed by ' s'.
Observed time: 7 h 31 min 08 s
